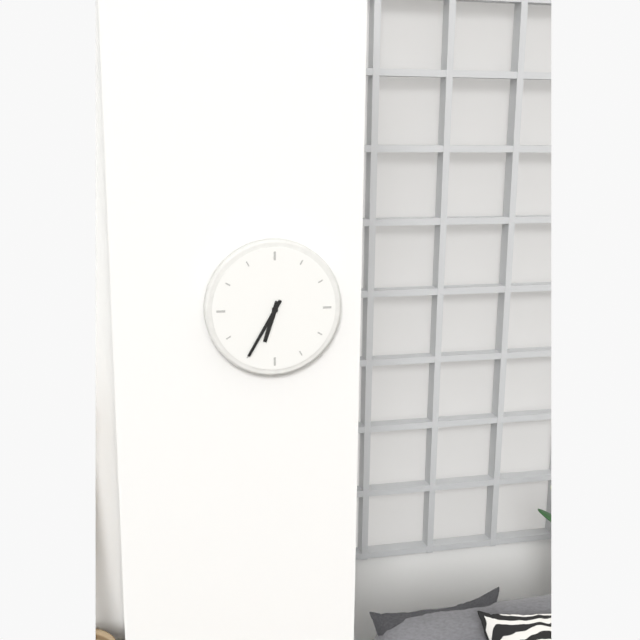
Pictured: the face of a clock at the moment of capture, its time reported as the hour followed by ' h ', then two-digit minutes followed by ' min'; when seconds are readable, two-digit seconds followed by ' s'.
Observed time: 6 h 35 min
